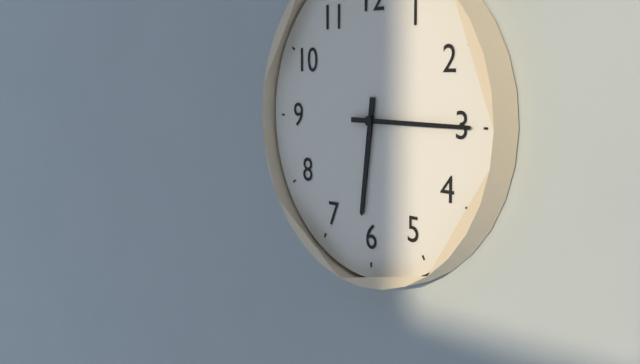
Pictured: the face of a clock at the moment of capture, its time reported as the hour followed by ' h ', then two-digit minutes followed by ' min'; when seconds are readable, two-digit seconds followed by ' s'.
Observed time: 6 h 15 min
